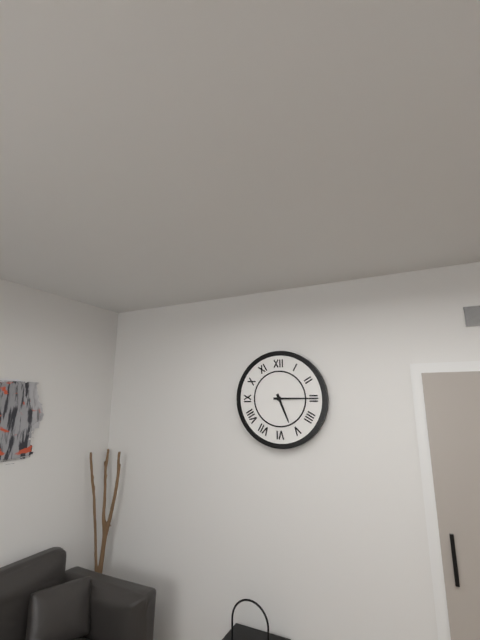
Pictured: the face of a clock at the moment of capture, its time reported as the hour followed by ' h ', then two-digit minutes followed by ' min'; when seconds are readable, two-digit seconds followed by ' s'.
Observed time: 5 h 15 min
